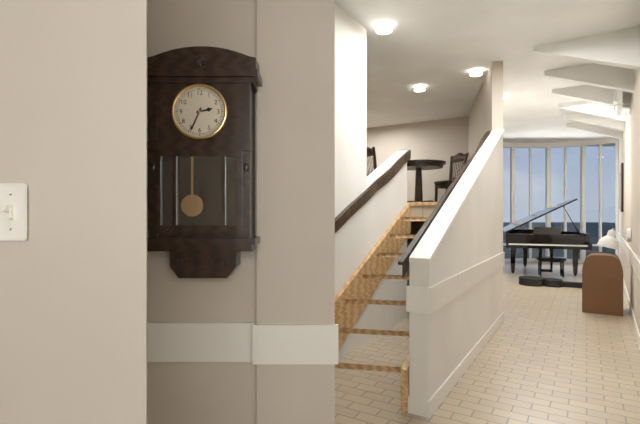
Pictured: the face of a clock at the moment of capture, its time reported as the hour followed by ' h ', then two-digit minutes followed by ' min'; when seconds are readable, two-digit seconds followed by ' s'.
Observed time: 2 h 34 min
